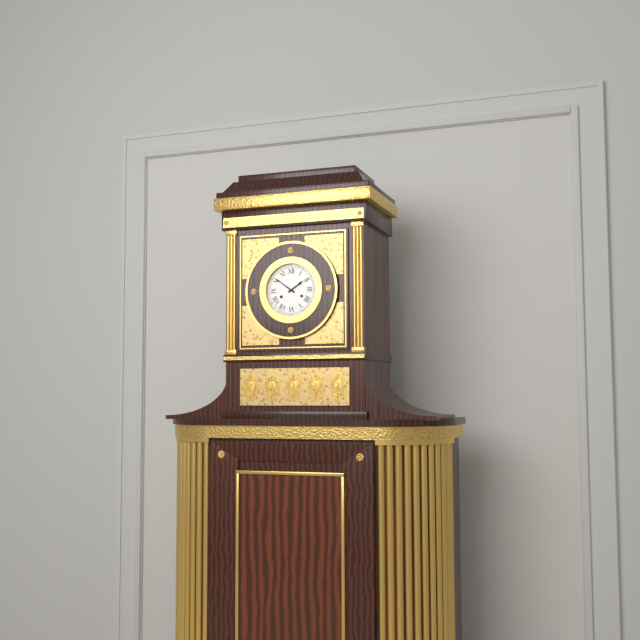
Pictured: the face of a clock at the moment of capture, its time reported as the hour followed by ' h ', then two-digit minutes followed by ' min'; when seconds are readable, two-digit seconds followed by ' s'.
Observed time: 1 h 51 min
